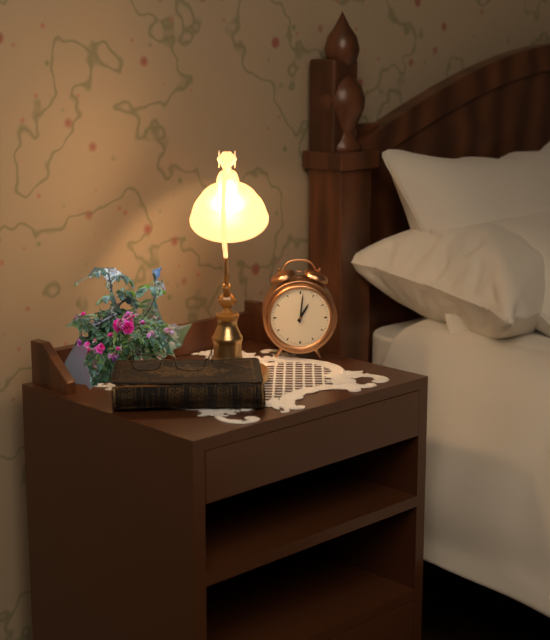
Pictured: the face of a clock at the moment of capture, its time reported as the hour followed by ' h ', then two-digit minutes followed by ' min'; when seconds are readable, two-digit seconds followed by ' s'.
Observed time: 1 h 01 min
